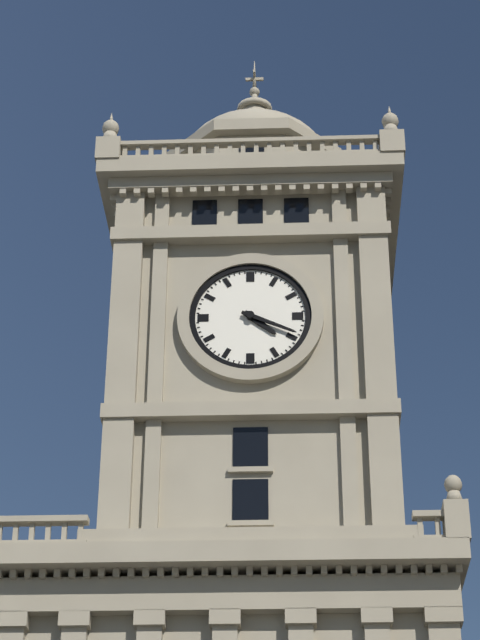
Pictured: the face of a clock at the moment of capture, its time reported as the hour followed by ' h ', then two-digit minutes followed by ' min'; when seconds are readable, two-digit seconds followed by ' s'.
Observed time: 4 h 19 min
